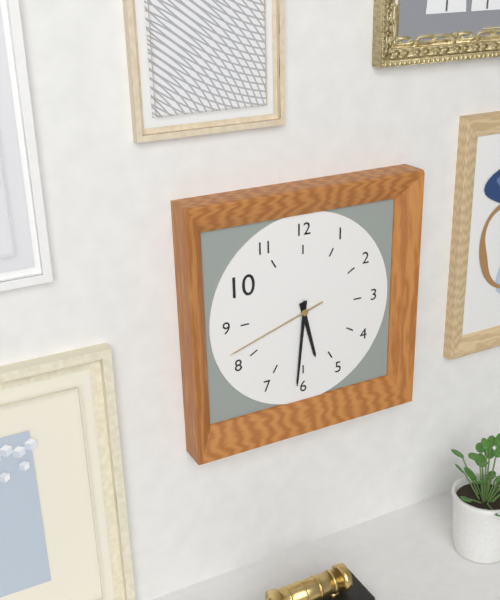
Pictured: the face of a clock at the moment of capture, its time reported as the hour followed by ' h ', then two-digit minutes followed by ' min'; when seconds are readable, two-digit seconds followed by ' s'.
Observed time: 5 h 31 min 42 s
